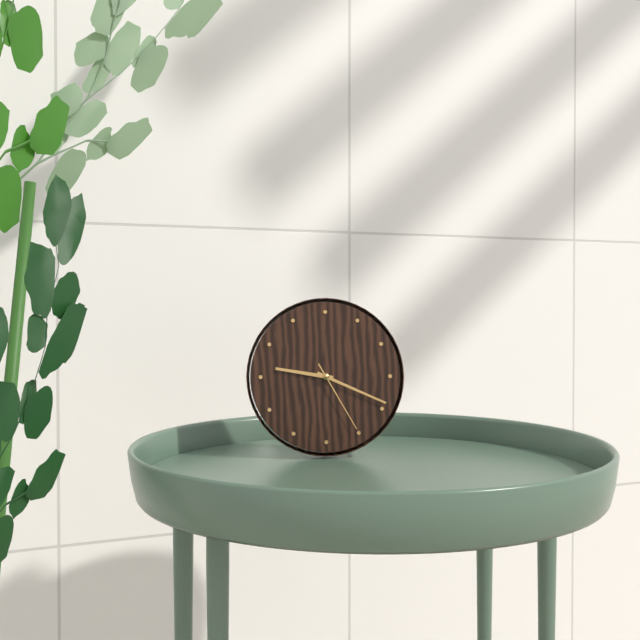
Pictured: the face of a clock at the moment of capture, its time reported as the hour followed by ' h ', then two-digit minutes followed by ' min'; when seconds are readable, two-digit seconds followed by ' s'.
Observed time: 9 h 19 min 25 s
